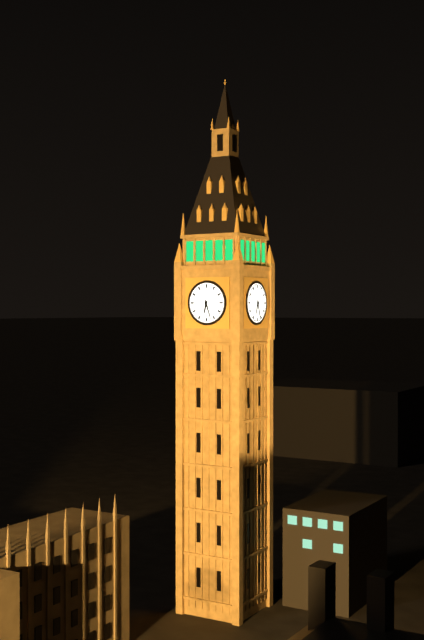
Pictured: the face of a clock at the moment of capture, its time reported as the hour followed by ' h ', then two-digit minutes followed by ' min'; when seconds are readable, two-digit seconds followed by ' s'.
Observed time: 6 h 27 min
